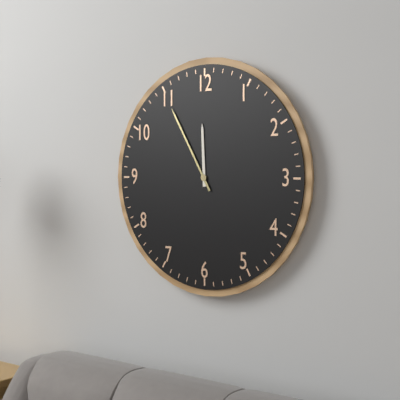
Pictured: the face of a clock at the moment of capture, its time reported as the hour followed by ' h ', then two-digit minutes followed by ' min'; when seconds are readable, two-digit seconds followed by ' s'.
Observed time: 11 h 55 min
